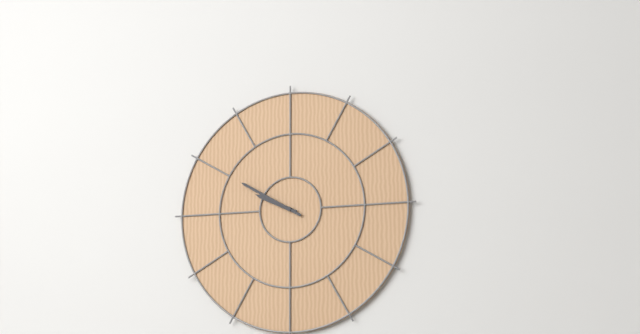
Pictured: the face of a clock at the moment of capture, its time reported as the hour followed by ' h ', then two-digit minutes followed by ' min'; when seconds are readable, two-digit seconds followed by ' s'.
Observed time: 9 h 50 min
